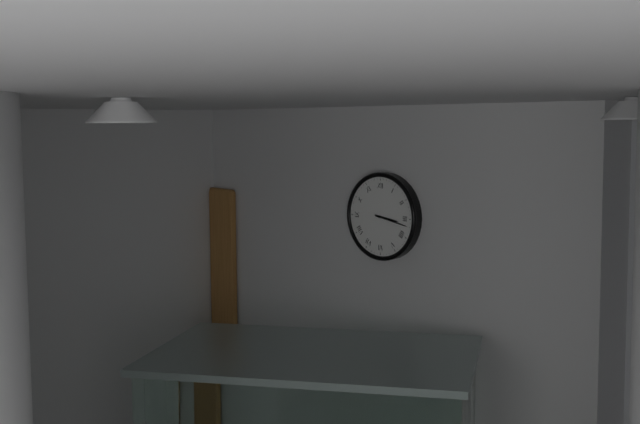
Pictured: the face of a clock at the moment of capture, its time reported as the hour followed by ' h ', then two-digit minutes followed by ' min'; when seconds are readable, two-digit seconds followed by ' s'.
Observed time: 3 h 17 min
